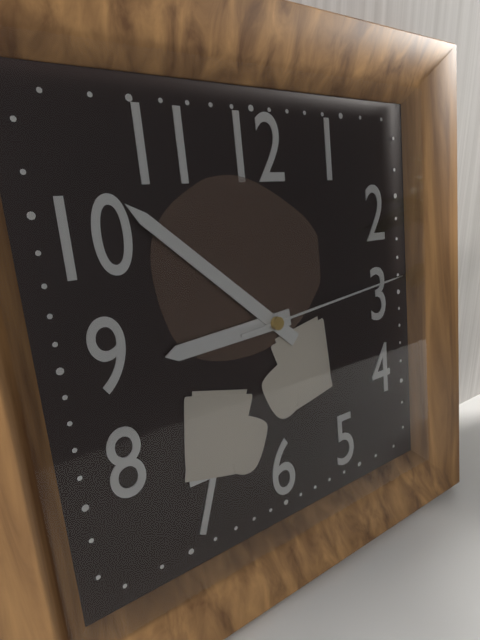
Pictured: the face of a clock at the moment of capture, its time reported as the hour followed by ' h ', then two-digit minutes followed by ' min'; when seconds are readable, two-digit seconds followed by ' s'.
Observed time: 8 h 52 min 14 s
